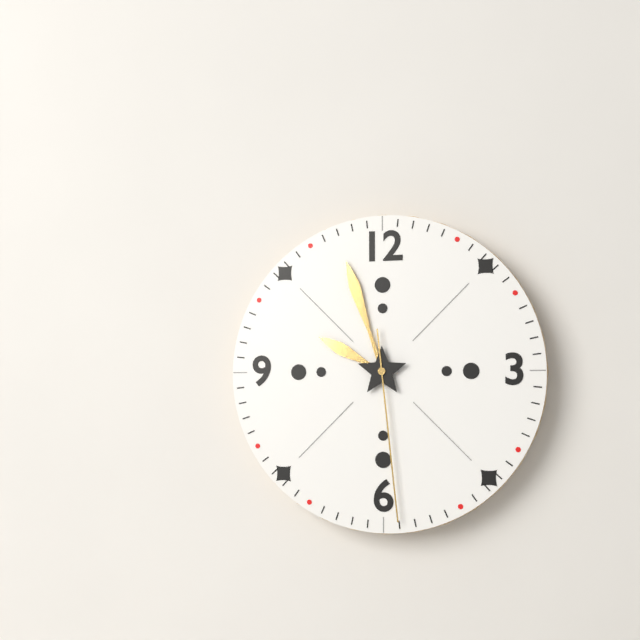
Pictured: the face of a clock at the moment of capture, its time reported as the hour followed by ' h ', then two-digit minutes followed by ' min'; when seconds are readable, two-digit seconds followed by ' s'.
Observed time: 9 h 57 min 29 s
